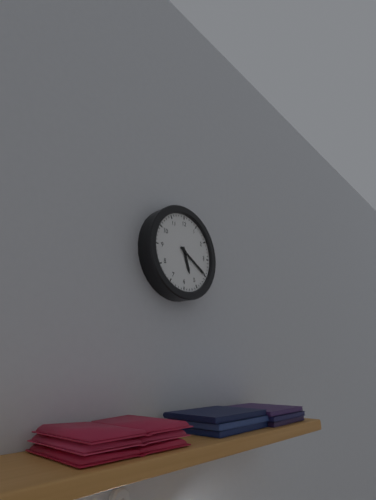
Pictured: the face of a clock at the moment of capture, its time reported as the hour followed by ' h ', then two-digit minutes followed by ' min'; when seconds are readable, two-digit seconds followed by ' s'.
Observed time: 5 h 20 min
